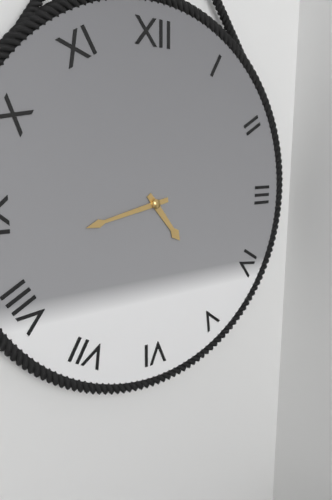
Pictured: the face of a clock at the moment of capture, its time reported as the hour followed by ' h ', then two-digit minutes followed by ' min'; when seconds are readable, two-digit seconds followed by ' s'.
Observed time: 4 h 43 min
